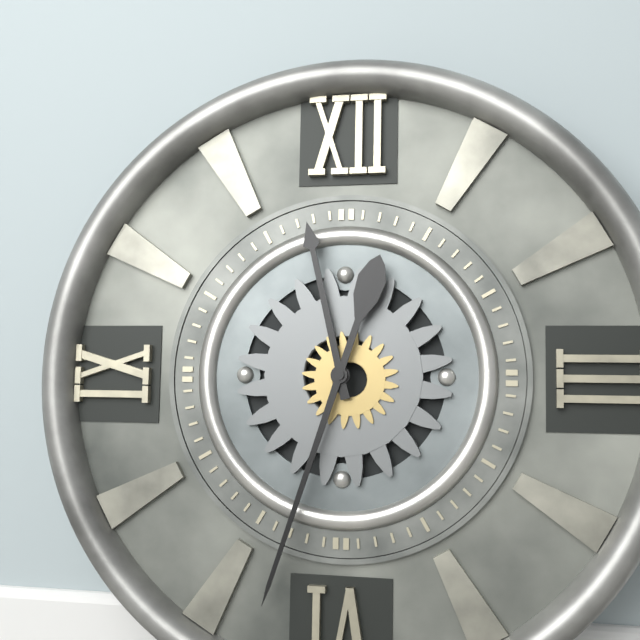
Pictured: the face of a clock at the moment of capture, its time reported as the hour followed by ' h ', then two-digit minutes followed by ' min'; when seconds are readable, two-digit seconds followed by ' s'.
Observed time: 11 h 33 min
